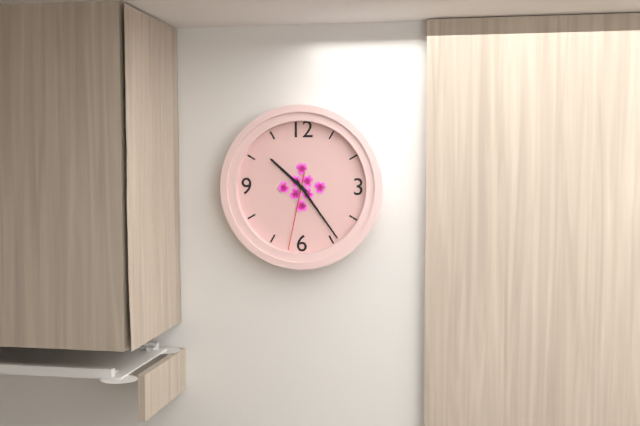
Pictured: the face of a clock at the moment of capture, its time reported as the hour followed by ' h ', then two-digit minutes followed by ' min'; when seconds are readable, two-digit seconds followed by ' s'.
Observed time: 10 h 24 min 32 s
